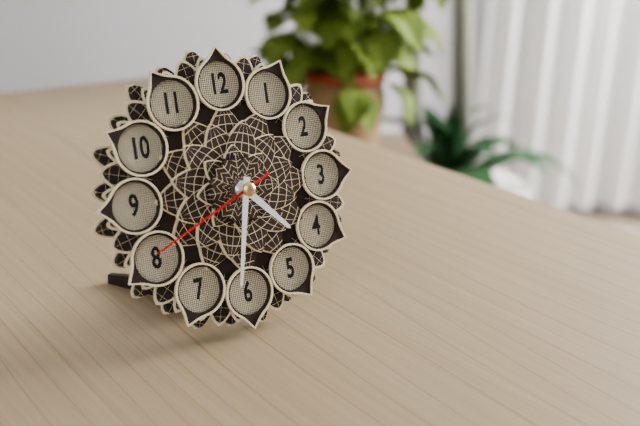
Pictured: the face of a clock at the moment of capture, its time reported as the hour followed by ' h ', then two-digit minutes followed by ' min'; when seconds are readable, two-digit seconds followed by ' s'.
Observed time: 4 h 32 min 41 s
